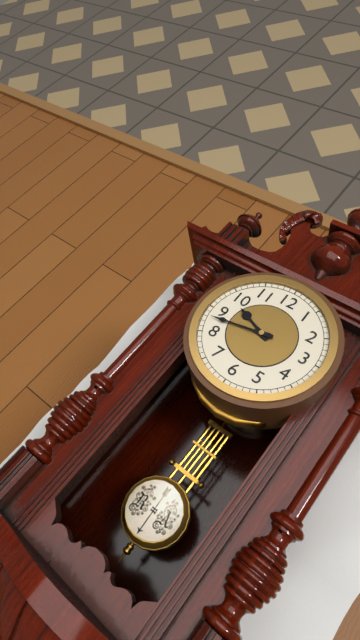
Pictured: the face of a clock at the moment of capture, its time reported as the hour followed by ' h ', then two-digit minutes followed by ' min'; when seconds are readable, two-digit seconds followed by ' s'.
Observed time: 9 h 43 min
